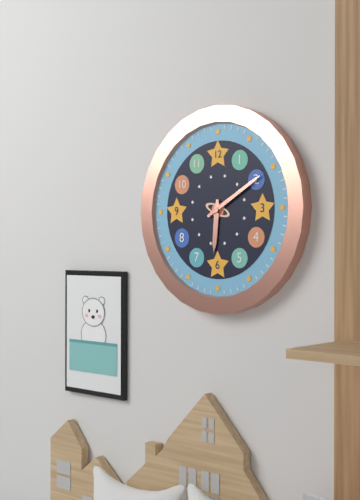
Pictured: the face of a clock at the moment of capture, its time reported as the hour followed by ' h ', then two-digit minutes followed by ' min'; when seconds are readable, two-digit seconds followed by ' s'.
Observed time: 6 h 10 min
